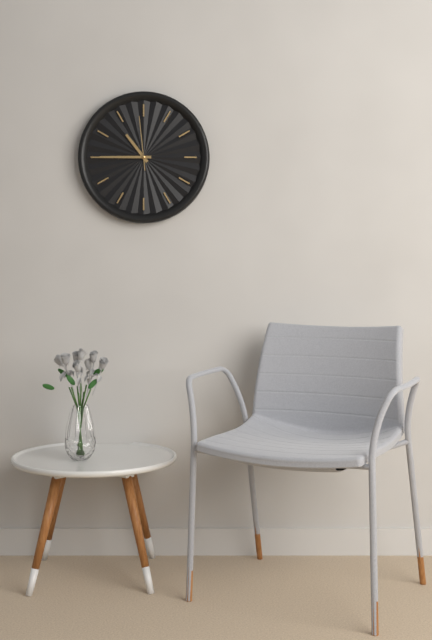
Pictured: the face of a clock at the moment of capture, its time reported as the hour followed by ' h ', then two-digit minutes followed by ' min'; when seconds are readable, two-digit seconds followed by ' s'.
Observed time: 10 h 45 min 59 s
